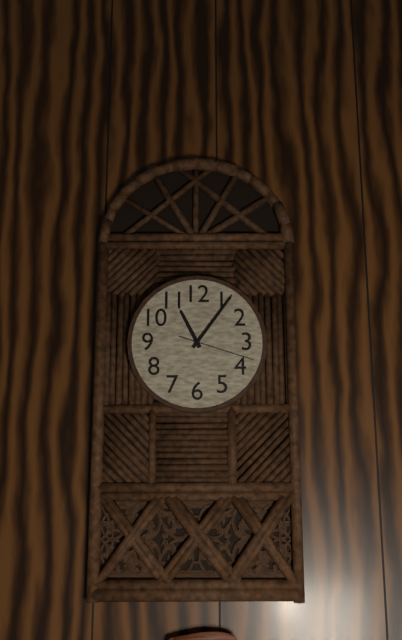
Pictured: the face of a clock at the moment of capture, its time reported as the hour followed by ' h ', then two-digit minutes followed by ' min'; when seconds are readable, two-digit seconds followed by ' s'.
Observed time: 11 h 06 min 18 s
